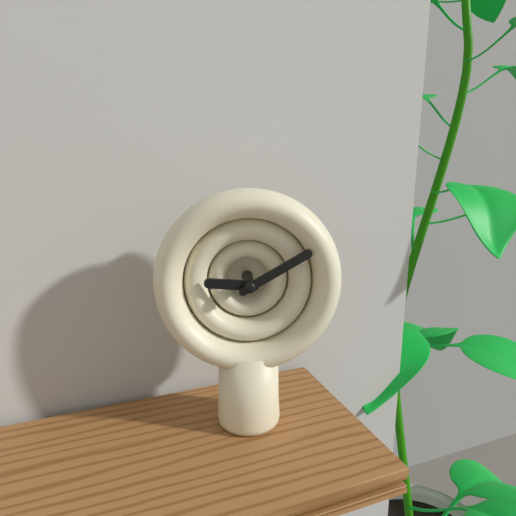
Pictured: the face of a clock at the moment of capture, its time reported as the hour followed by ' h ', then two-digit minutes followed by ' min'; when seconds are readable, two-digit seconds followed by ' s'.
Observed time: 9 h 10 min
